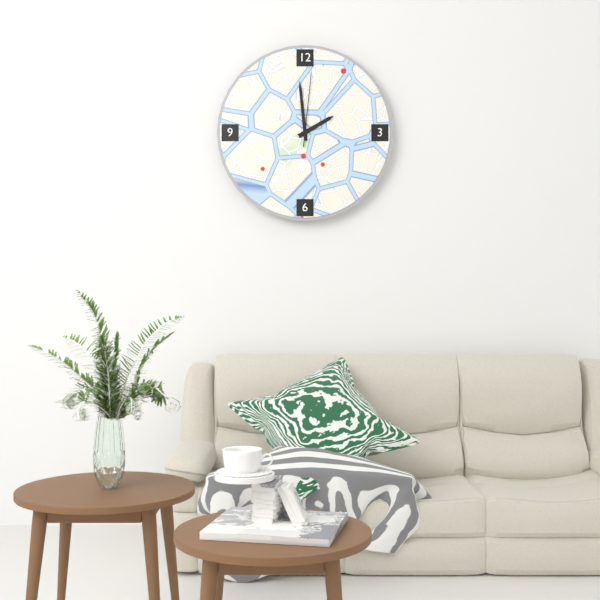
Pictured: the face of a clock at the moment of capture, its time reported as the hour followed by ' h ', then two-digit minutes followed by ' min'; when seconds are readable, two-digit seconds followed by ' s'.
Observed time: 1 h 59 min 01 s
